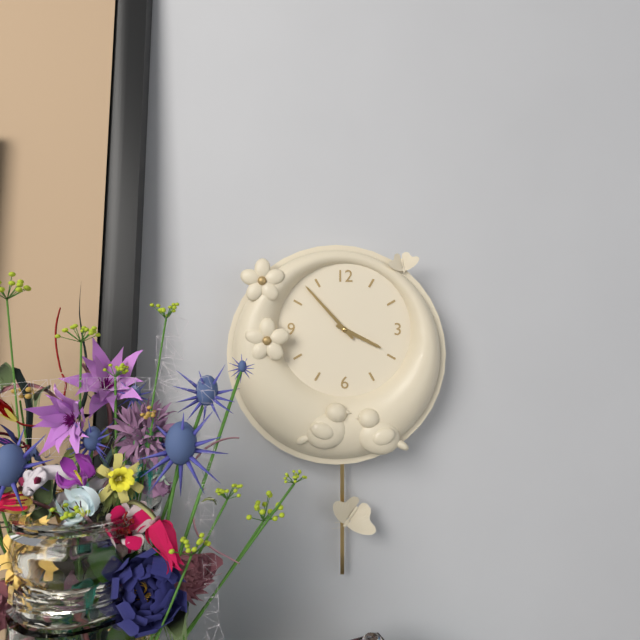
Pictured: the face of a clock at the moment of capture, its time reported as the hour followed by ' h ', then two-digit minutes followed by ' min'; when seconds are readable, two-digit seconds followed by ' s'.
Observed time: 3 h 53 min
